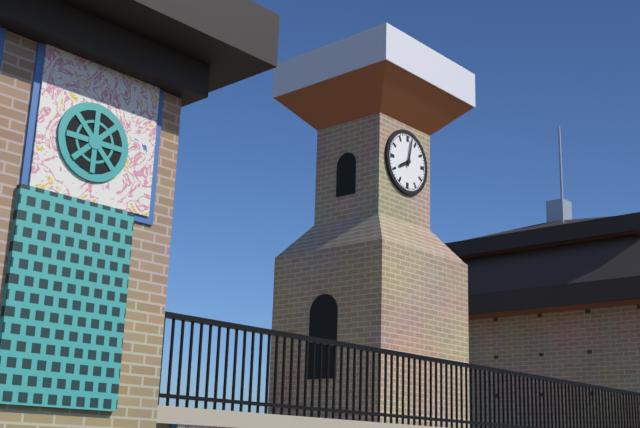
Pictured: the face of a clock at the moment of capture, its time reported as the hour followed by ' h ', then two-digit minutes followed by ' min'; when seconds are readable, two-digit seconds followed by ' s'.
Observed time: 8 h 02 min
